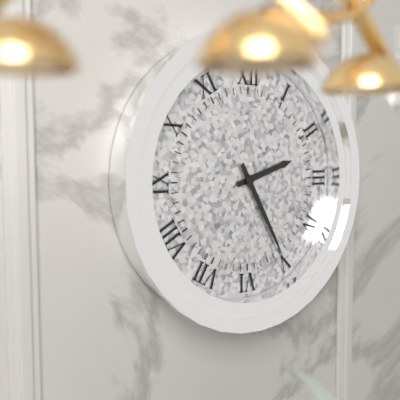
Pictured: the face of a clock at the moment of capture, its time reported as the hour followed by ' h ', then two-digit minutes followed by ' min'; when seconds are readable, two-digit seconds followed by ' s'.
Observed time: 2 h 25 min
